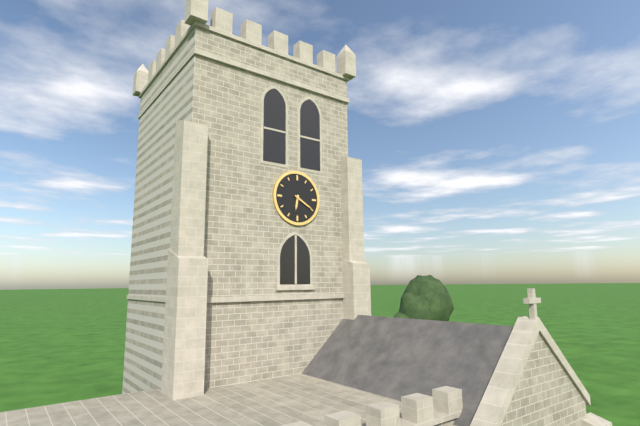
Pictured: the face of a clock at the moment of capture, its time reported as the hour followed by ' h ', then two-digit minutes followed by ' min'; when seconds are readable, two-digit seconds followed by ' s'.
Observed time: 6 h 20 min
